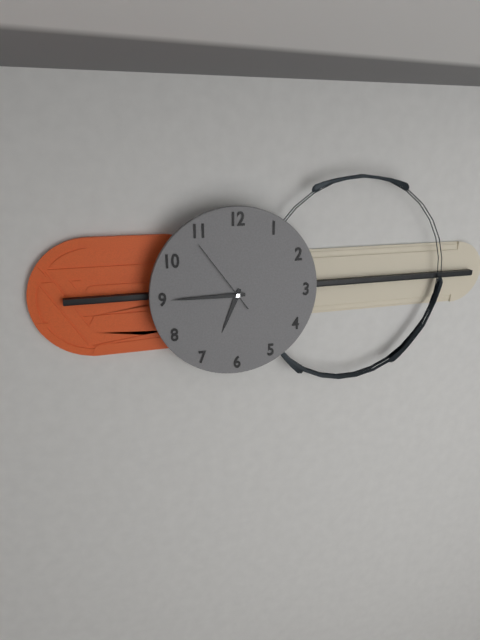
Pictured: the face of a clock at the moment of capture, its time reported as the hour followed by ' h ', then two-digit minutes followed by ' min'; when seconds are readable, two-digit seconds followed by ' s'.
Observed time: 6 h 45 min 54 s
